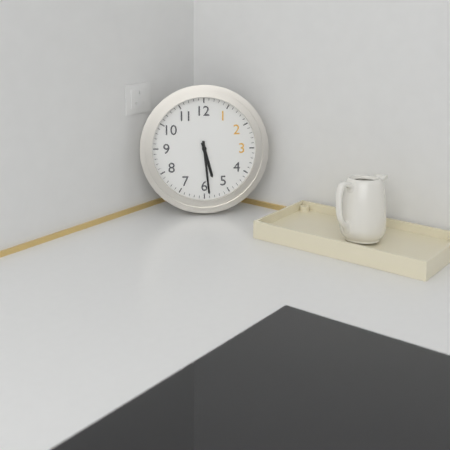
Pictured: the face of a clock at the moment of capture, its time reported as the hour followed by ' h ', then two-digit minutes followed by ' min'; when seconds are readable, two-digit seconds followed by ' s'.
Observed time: 5 h 29 min
